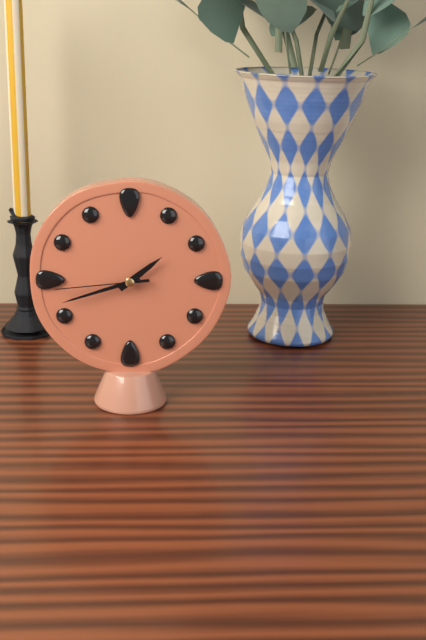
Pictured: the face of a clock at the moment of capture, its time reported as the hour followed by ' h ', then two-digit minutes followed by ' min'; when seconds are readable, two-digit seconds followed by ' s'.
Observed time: 1 h 42 min 44 s
